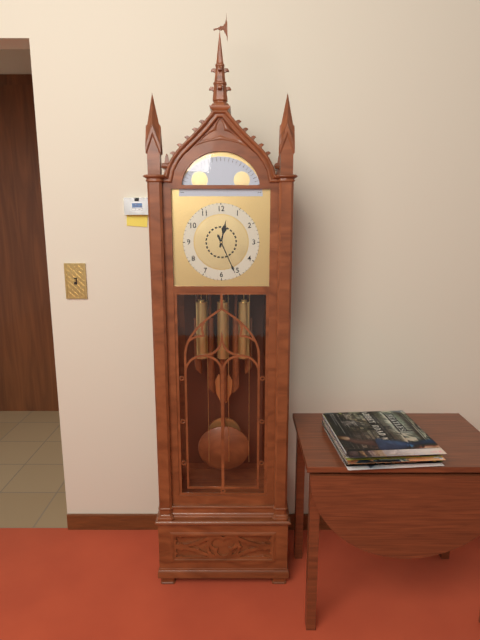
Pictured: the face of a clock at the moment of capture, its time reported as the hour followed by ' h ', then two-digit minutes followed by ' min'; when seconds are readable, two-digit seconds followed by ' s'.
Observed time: 12 h 26 min
